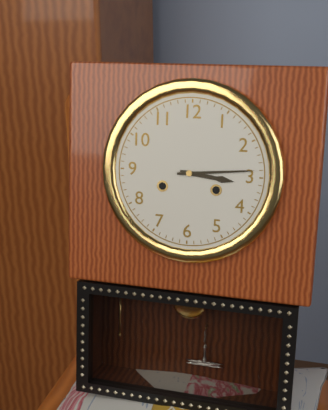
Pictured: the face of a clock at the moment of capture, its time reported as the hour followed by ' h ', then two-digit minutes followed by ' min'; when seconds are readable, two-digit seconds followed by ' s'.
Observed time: 3 h 14 min
